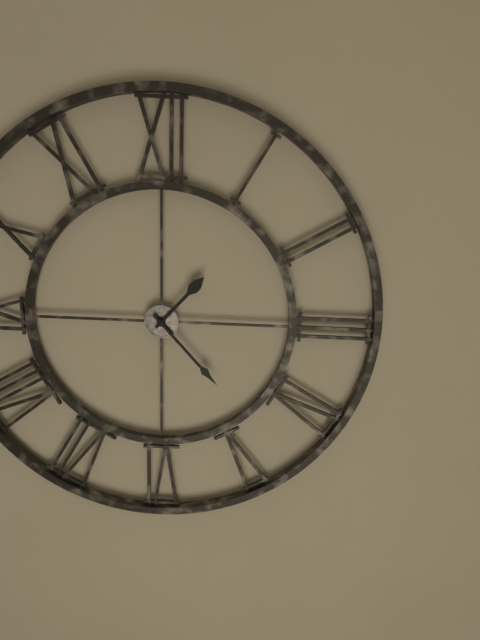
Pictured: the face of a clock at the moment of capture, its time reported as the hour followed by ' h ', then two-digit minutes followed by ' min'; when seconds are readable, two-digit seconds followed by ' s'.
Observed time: 1 h 23 min
